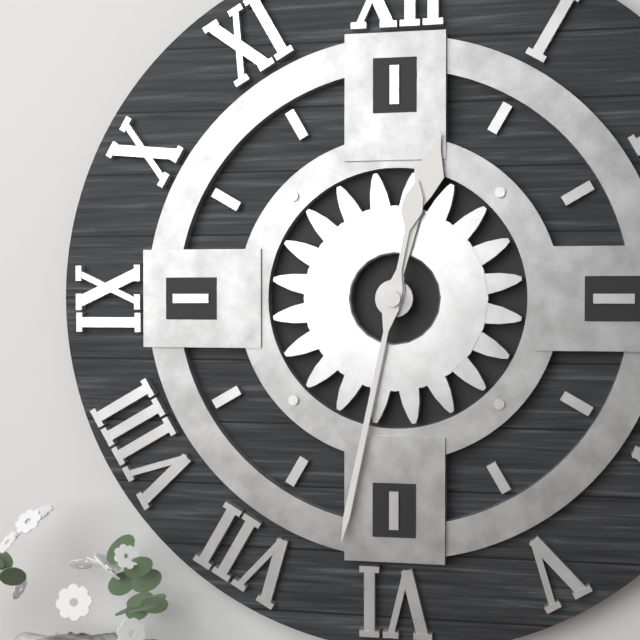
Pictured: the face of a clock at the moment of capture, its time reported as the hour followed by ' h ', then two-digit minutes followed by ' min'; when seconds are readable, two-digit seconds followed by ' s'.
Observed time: 12 h 32 min
